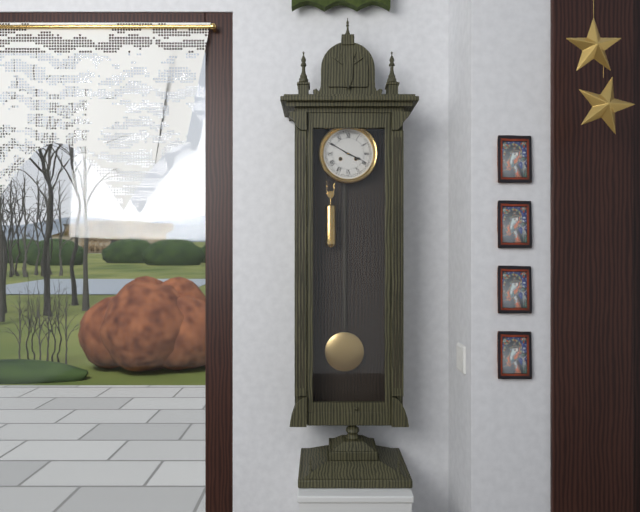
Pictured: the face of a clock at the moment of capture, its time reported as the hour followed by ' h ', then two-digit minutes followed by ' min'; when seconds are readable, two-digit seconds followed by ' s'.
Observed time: 3 h 50 min
